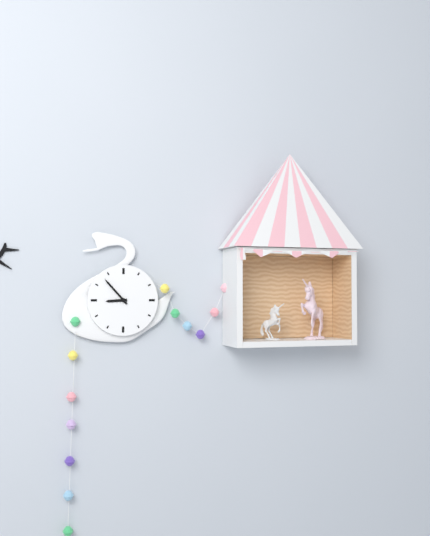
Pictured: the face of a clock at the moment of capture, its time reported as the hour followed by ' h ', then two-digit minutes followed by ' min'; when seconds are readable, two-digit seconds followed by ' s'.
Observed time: 8 h 53 min
